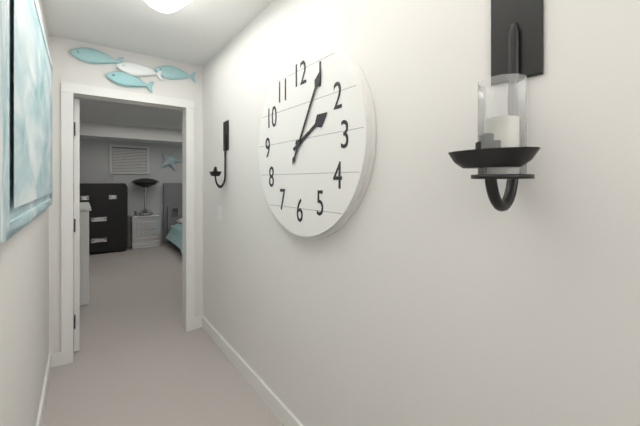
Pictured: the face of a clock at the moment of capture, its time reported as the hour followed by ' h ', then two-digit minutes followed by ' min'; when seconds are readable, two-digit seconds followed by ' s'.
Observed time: 2 h 05 min
